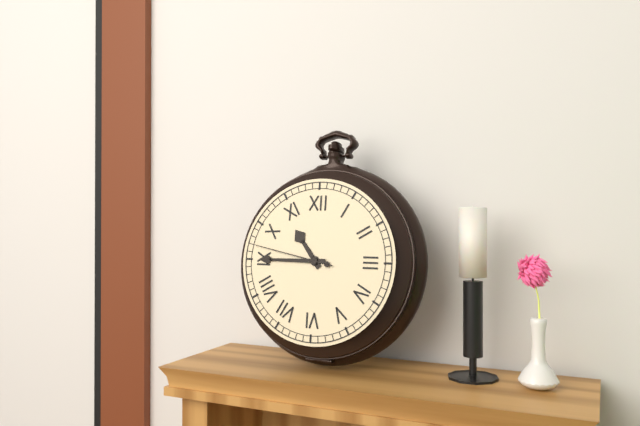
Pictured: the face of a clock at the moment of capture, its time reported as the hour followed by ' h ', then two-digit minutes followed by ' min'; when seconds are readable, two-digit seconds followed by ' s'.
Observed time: 10 h 45 min 47 s
